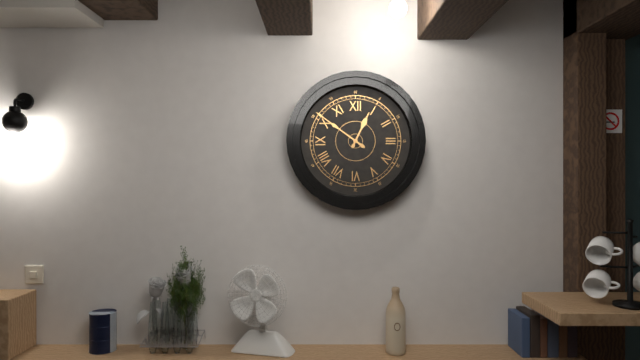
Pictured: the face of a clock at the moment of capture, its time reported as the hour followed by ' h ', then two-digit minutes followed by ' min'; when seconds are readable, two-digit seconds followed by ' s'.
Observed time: 12 h 51 min
